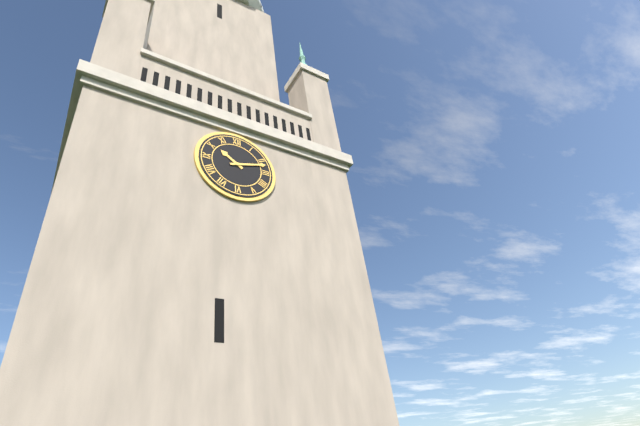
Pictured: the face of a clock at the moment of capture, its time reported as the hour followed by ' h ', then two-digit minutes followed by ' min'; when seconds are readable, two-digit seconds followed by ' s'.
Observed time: 10 h 12 min
